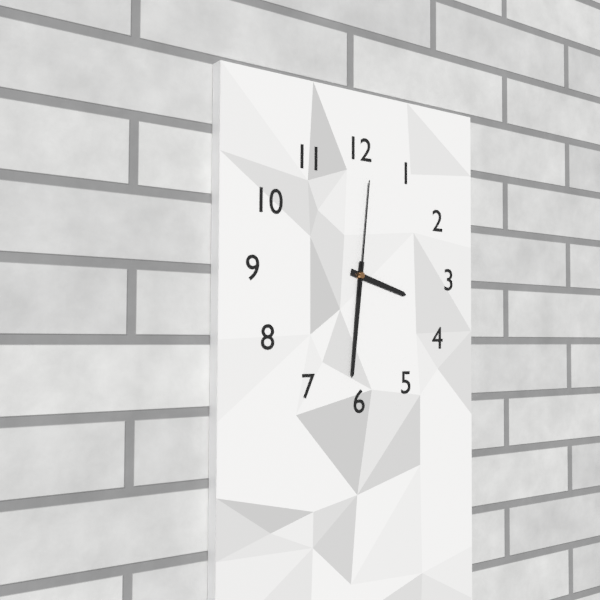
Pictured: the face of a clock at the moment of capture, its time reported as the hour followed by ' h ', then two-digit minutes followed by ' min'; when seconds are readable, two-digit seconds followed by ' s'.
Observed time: 3 h 31 min 01 s
